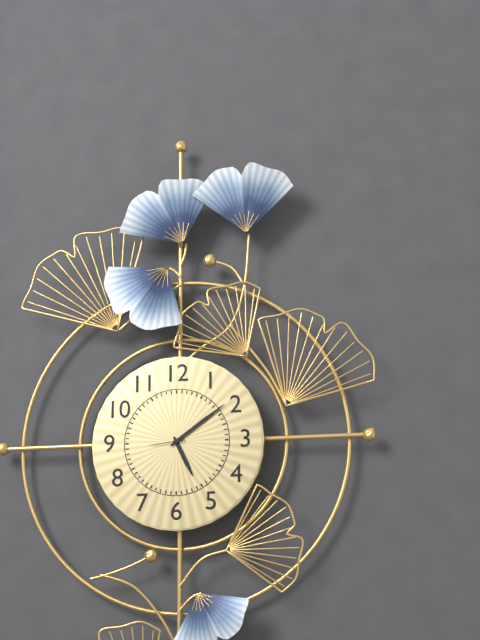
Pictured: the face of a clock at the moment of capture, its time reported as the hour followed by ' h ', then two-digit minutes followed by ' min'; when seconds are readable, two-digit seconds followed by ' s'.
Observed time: 5 h 09 min
